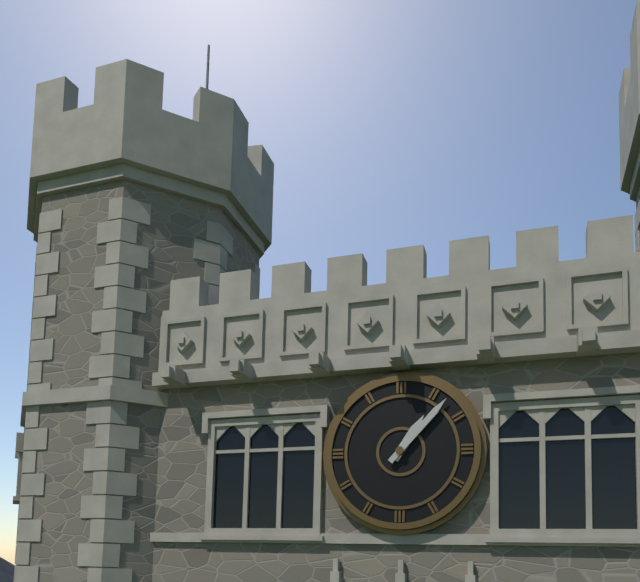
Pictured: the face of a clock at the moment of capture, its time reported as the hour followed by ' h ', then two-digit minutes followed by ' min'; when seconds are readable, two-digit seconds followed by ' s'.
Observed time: 1 h 07 min
